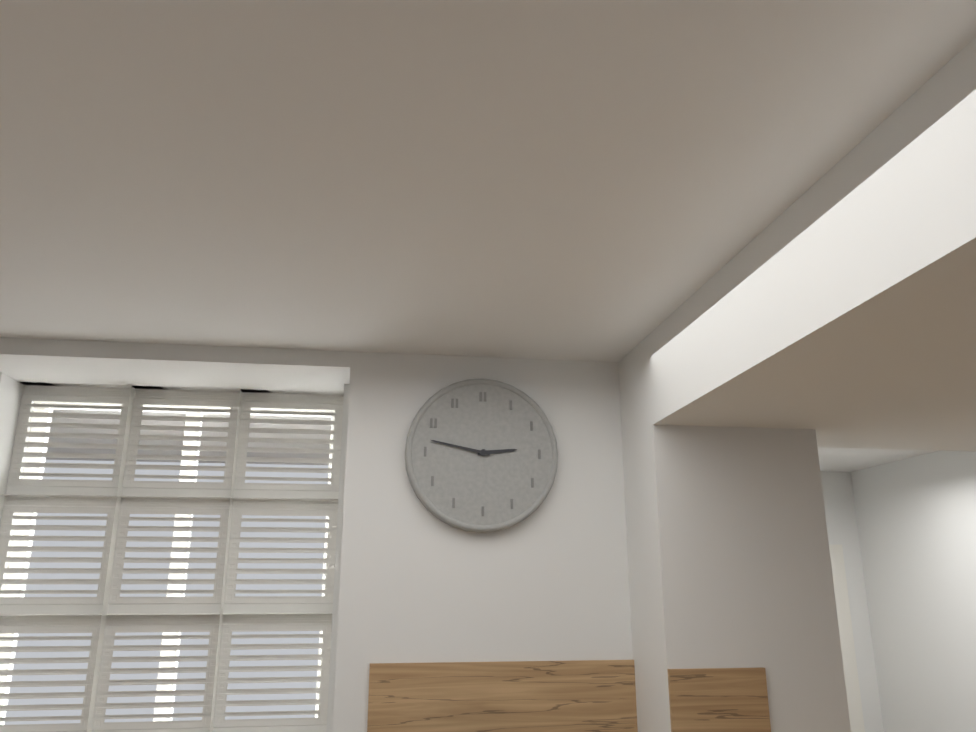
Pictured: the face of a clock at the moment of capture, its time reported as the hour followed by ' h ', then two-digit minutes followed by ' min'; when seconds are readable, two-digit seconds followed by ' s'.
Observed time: 2 h 47 min
